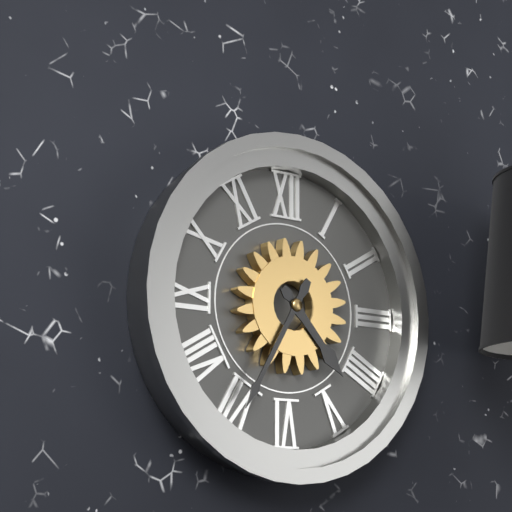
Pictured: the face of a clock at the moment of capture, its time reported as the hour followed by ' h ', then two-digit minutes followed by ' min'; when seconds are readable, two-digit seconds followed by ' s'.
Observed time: 4 h 35 min
